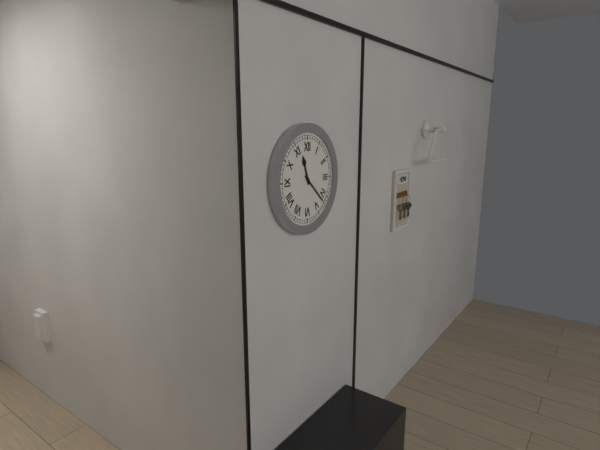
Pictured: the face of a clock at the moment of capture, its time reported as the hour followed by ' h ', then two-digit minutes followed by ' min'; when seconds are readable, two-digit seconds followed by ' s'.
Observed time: 11 h 22 min
